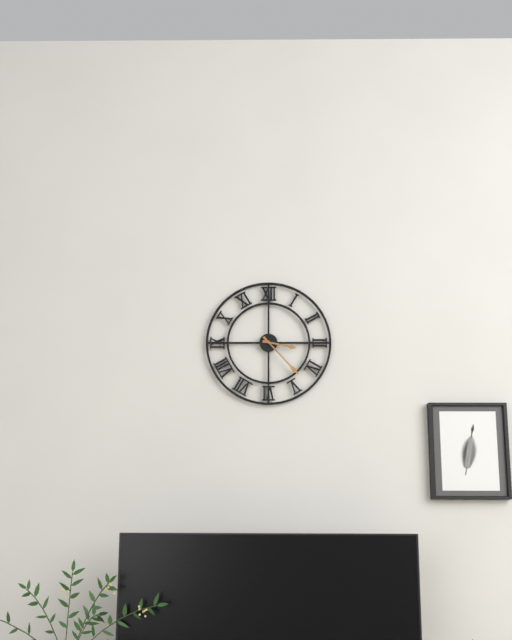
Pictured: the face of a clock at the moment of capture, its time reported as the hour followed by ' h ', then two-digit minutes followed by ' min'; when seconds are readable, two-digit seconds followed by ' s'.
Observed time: 3 h 23 min
